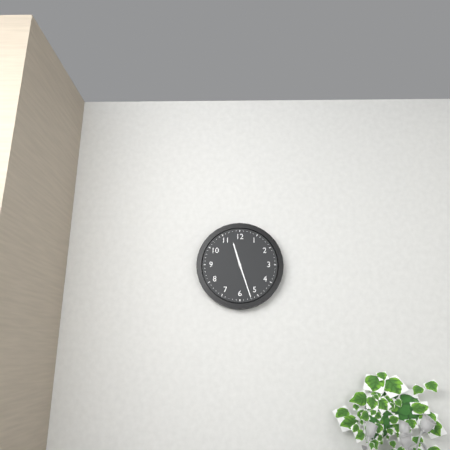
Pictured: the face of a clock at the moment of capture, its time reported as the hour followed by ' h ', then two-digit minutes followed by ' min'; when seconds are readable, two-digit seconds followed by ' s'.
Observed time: 11 h 27 min
